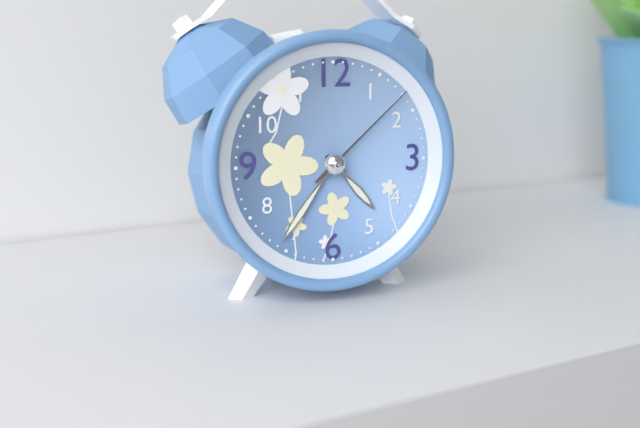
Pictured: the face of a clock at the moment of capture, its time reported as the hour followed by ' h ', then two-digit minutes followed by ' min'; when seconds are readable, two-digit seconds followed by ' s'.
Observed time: 4 h 36 min 08 s
